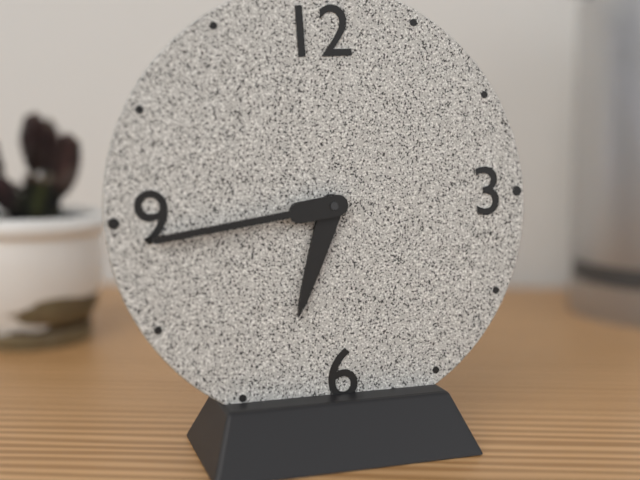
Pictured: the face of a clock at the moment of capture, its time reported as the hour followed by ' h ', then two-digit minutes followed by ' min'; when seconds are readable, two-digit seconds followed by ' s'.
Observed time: 6 h 44 min
